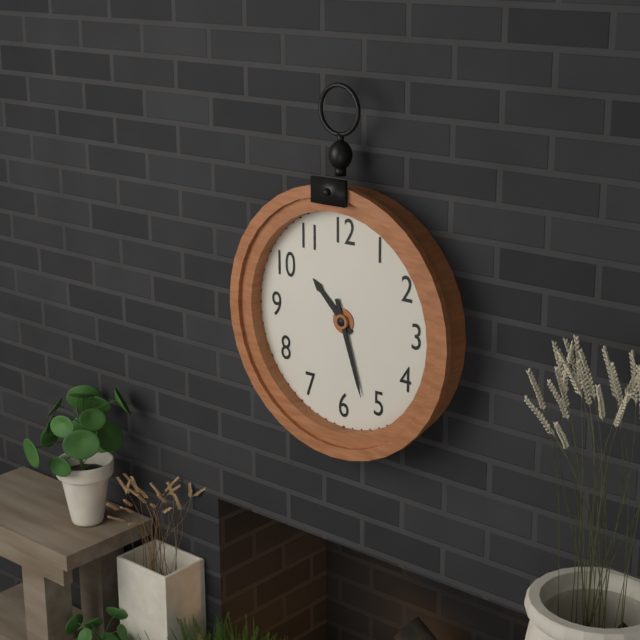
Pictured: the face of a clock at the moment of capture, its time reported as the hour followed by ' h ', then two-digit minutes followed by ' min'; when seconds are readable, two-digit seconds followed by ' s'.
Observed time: 10 h 27 min
